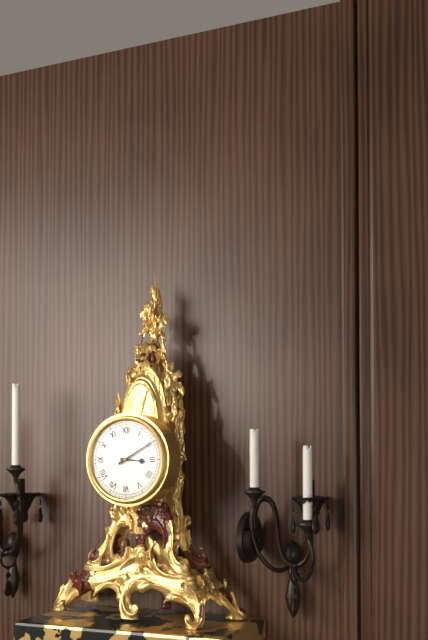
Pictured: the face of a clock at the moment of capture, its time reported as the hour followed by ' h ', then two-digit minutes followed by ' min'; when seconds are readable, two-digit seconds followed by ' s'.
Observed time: 3 h 10 min
